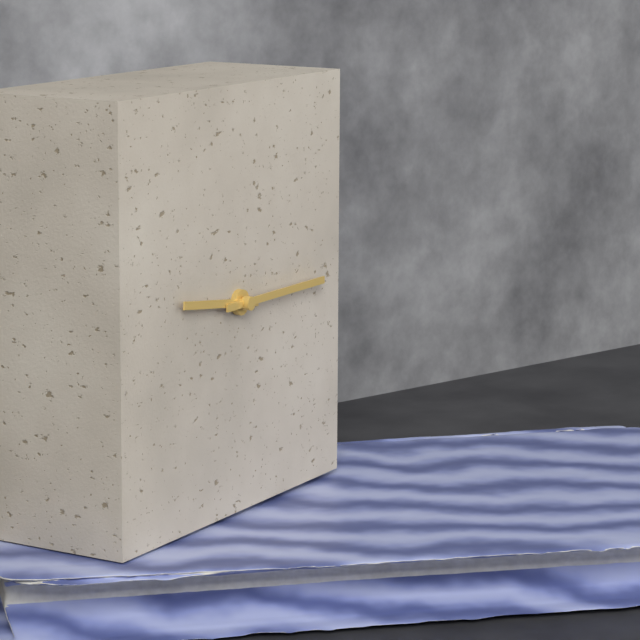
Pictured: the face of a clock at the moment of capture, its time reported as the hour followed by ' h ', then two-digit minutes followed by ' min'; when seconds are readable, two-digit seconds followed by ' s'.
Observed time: 9 h 15 min
